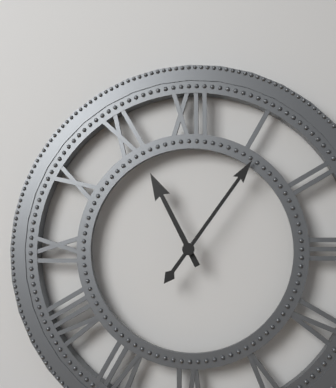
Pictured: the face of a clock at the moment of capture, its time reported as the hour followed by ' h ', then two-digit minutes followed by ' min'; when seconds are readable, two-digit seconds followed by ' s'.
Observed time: 11 h 06 min
